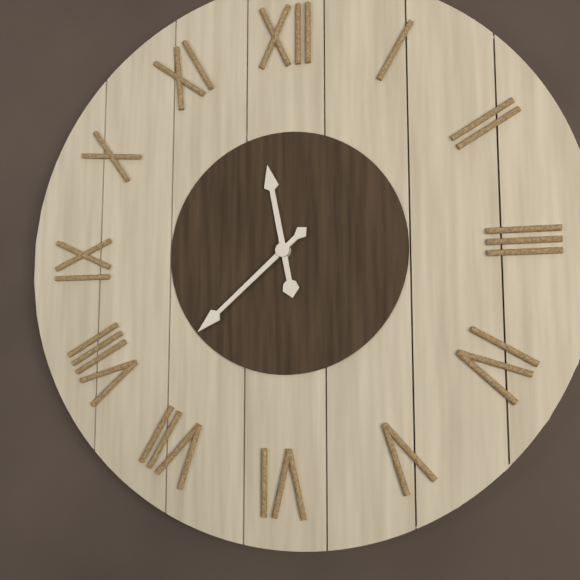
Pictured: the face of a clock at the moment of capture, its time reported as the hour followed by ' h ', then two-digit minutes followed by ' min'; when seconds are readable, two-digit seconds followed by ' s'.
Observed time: 11 h 38 min
